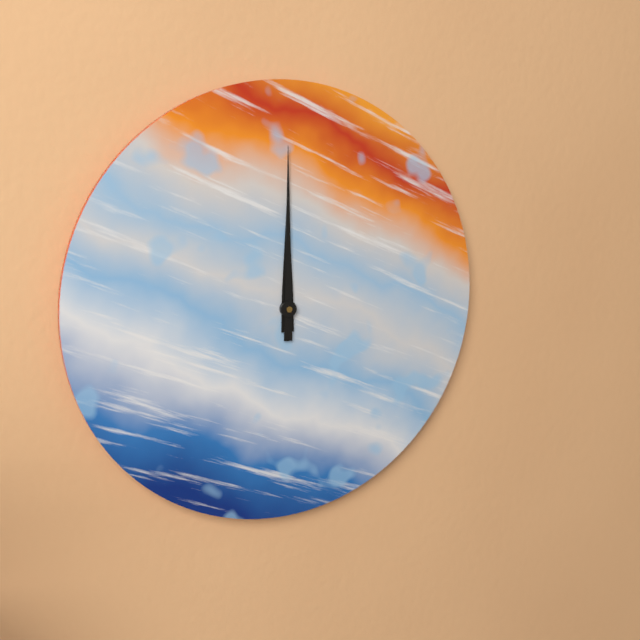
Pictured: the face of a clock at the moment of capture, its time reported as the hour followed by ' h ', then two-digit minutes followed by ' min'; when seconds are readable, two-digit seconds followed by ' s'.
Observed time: 12 h 00 min
